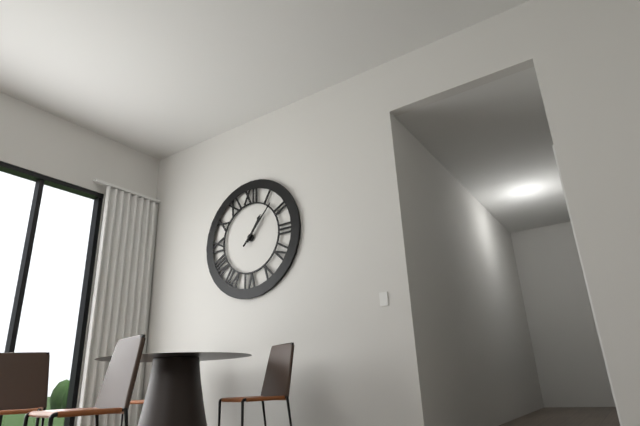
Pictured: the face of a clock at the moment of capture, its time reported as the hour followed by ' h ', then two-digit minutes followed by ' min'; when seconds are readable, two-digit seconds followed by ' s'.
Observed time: 1 h 07 min
